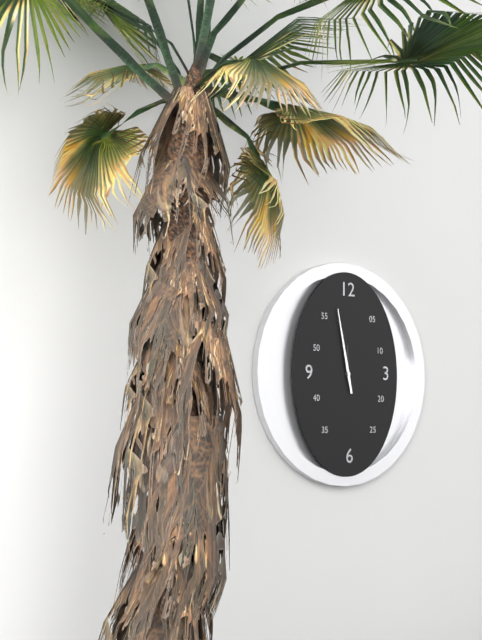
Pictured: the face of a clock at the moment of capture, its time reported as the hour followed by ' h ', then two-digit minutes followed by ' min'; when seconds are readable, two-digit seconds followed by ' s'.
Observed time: 11 h 58 min
